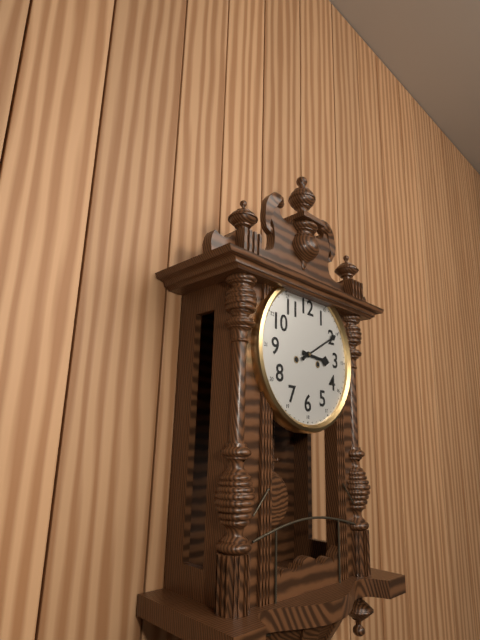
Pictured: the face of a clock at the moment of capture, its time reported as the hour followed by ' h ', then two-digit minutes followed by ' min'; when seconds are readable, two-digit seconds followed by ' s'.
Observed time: 3 h 10 min
